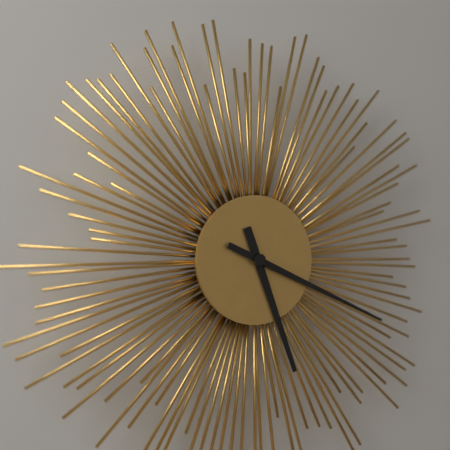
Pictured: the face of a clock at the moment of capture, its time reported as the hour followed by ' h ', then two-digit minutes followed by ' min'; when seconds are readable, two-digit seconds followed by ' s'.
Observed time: 5 h 19 min
